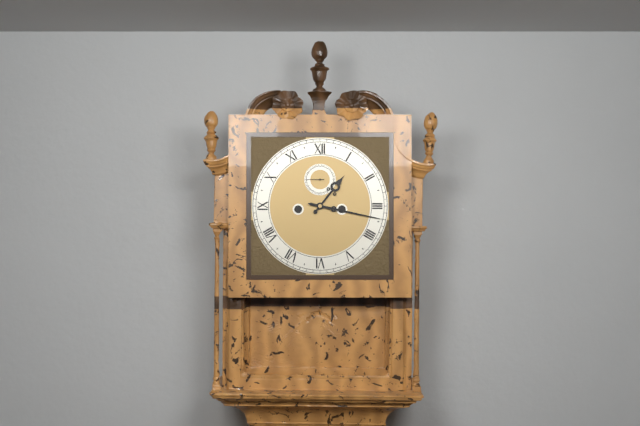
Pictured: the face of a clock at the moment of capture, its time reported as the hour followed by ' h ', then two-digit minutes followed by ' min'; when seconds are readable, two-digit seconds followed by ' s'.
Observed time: 1 h 17 min
